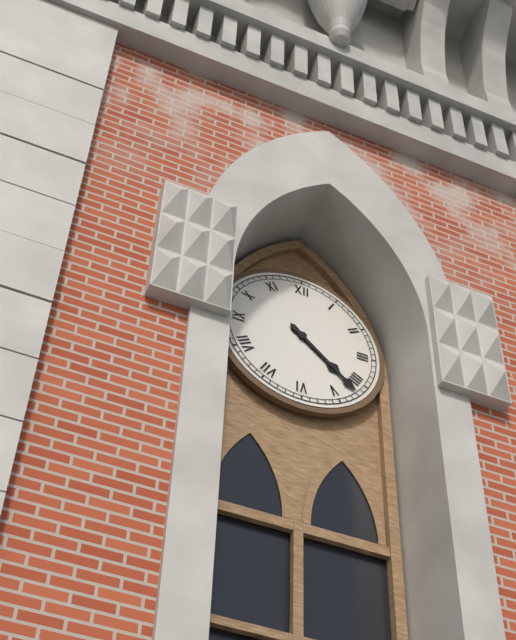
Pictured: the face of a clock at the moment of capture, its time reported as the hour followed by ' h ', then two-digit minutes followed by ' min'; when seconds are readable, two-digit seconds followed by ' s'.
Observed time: 4 h 22 min
